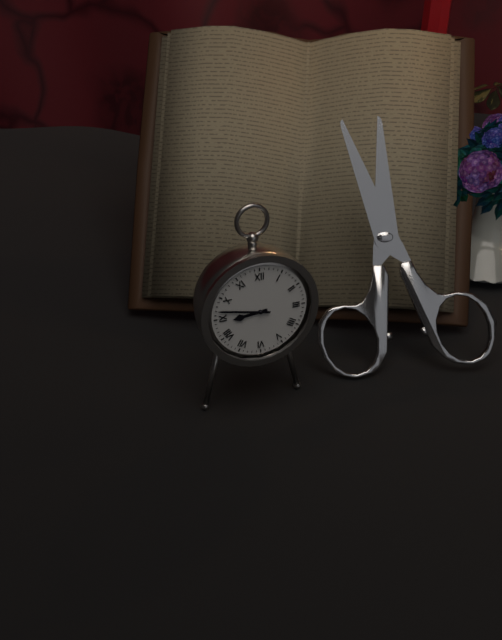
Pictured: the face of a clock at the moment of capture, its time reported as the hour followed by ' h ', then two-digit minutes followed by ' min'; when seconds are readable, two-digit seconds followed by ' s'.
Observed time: 8 h 47 min
